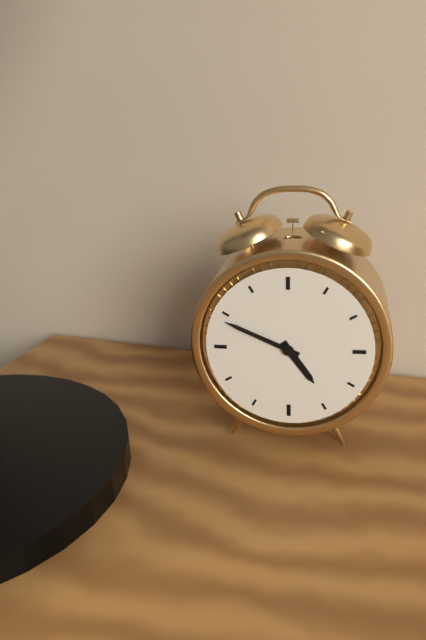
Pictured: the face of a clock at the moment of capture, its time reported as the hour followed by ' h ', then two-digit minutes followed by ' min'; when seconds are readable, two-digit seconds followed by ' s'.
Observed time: 4 h 49 min
